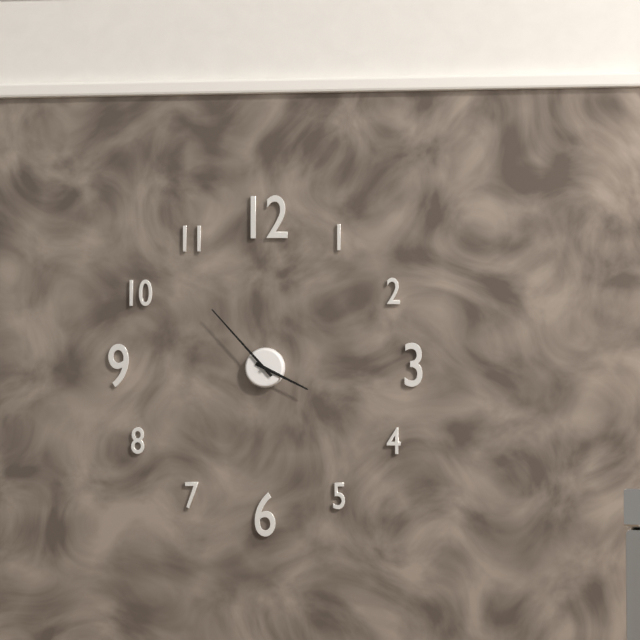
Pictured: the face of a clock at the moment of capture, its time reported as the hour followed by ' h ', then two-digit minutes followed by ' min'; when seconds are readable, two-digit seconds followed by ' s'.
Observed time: 3 h 53 min
